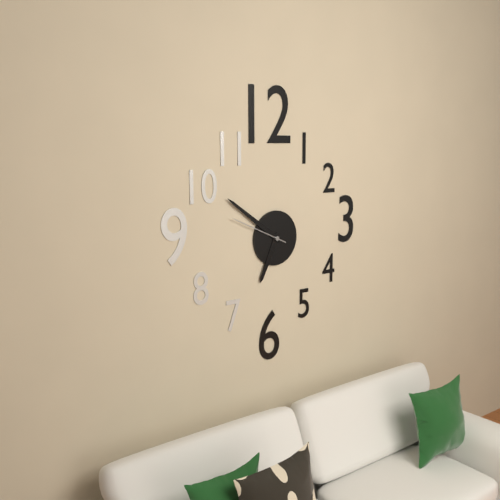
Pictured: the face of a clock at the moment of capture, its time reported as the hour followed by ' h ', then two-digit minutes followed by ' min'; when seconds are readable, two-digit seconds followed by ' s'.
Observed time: 6 h 51 min 49 s
